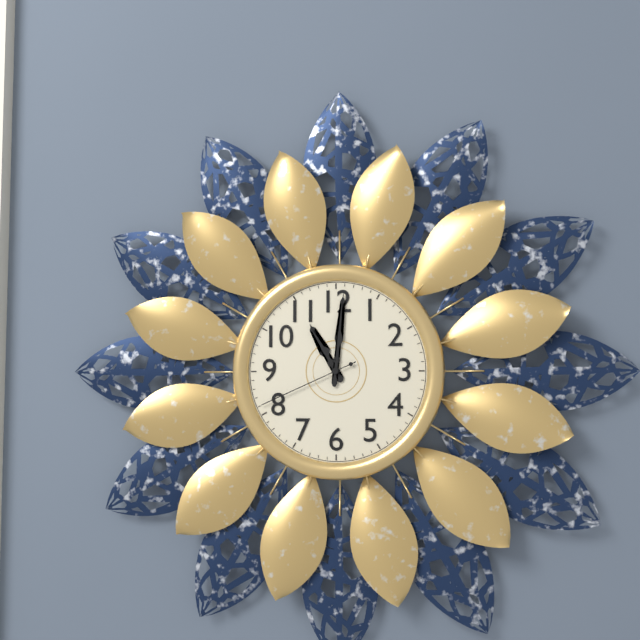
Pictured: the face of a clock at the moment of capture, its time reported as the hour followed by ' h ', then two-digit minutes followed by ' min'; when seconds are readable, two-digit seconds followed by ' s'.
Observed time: 11 h 01 min 41 s
